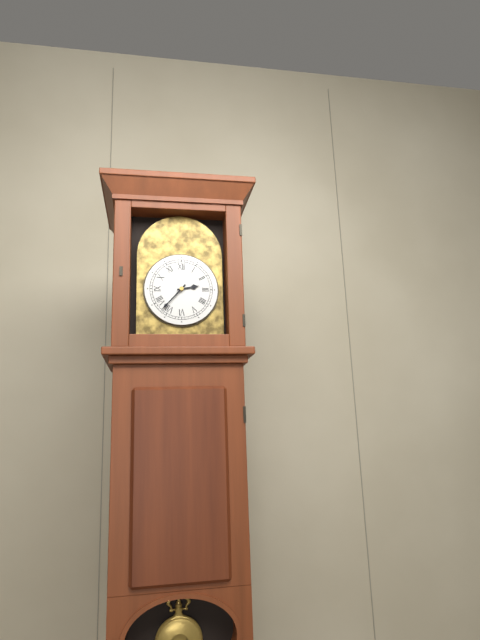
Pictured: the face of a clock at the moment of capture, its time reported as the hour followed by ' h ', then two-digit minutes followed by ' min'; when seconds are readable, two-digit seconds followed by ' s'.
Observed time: 2 h 37 min
